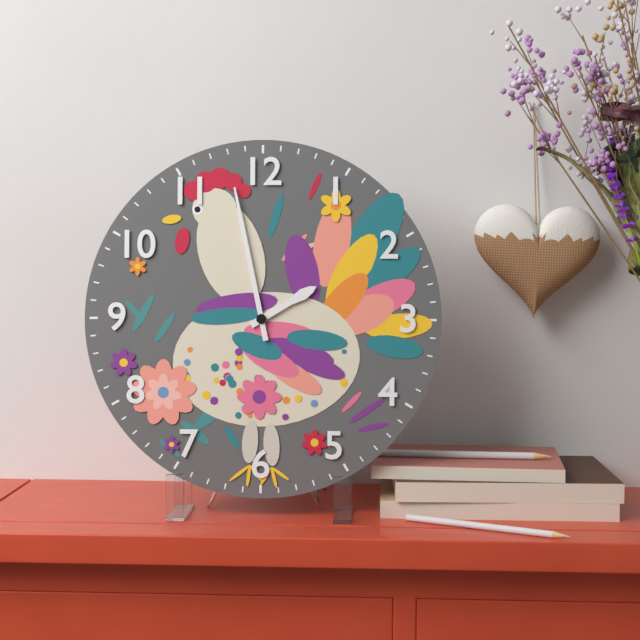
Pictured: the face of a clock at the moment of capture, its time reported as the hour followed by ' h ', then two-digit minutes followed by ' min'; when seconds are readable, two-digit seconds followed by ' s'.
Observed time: 1 h 58 min
